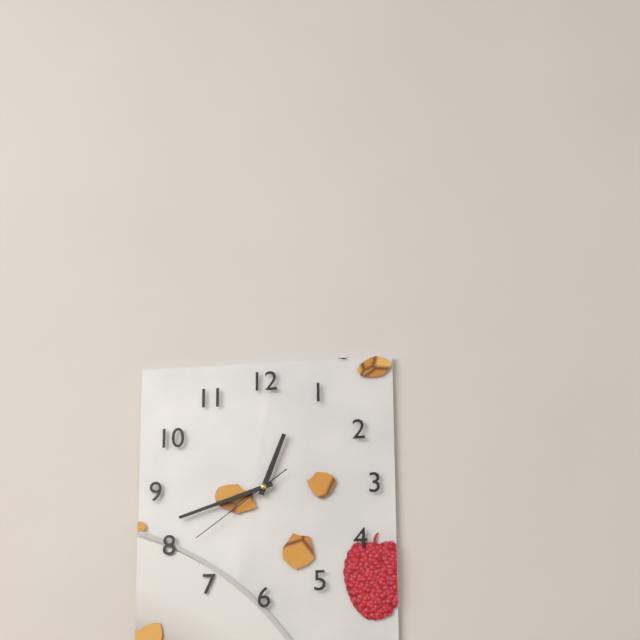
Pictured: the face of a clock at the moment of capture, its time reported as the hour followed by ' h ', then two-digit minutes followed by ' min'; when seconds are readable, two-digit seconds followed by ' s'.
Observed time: 12 h 42 min 39 s
